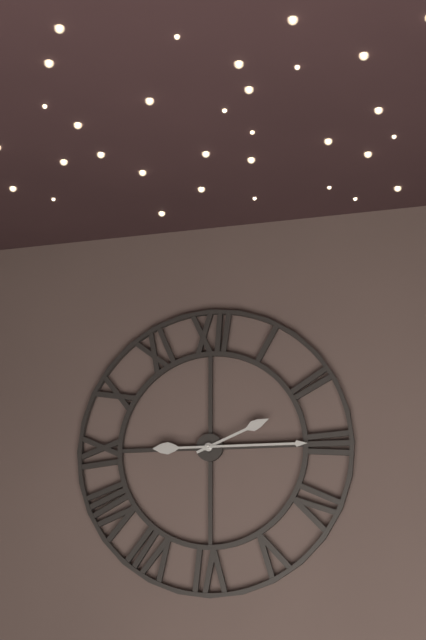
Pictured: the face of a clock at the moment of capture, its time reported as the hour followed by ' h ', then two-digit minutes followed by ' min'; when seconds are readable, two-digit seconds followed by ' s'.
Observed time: 2 h 15 min
